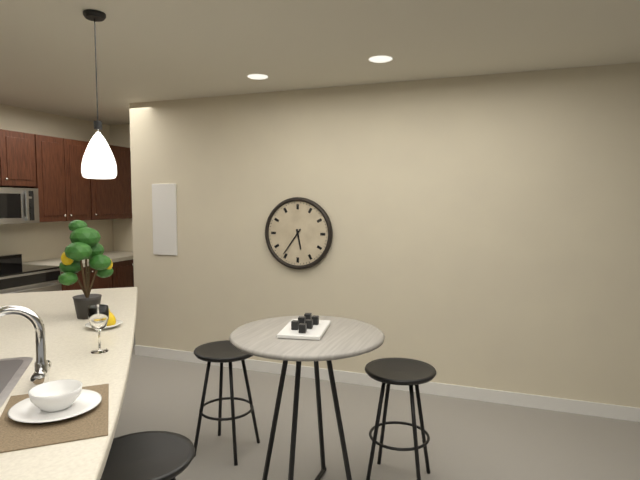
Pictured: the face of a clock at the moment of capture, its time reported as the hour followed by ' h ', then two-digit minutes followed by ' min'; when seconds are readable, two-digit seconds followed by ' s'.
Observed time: 5 h 36 min
